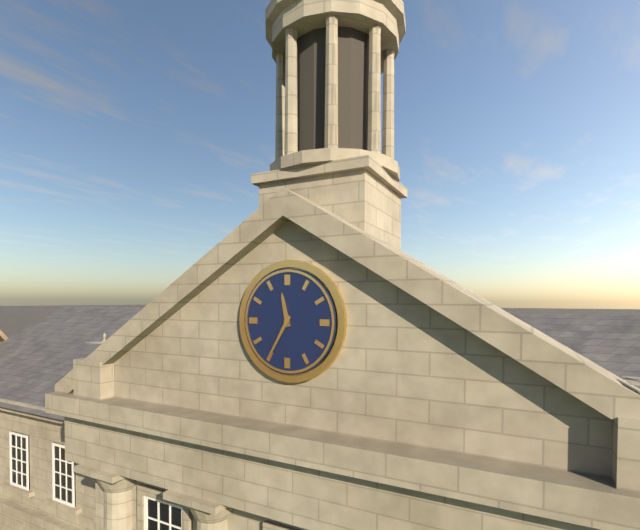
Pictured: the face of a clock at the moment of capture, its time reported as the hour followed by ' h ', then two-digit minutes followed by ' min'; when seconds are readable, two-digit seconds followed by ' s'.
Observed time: 11 h 35 min
